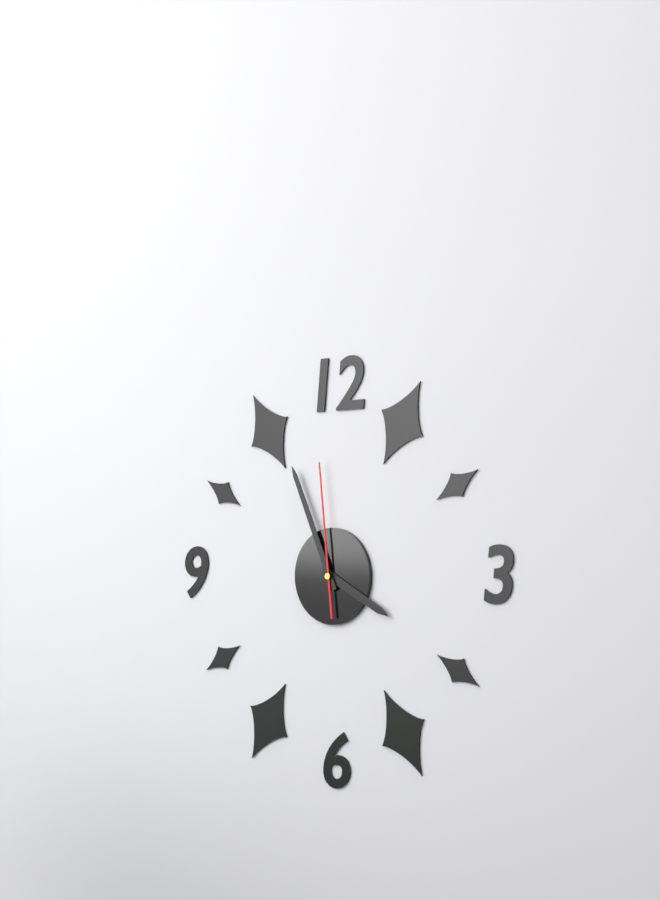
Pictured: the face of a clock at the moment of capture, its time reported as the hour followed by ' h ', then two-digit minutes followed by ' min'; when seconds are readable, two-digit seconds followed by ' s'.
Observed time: 3 h 56 min 59 s
